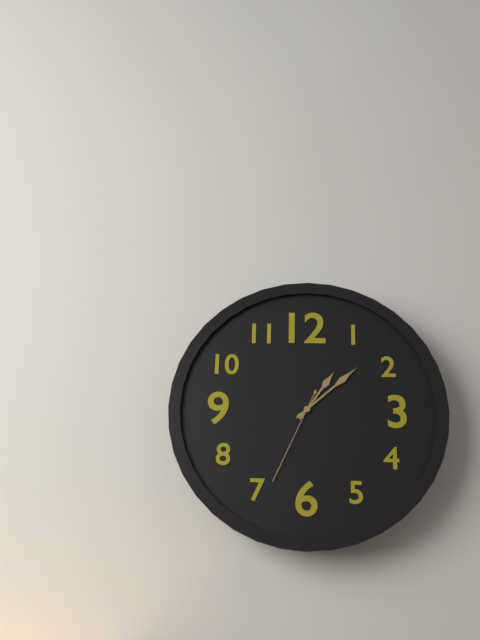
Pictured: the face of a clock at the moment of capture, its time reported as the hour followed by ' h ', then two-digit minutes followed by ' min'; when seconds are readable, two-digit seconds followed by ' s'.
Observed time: 1 h 08 min 34 s
